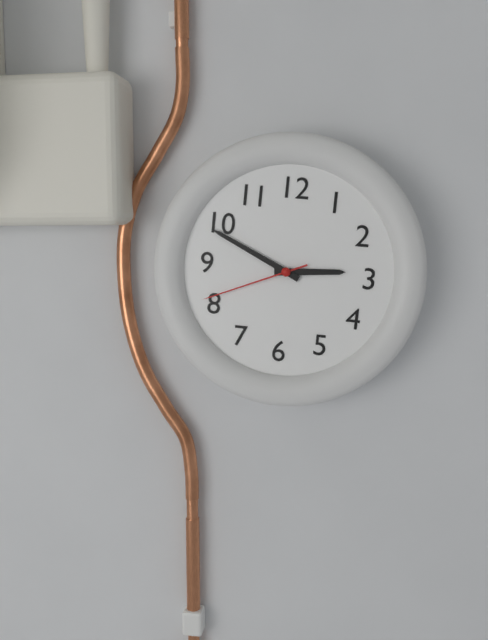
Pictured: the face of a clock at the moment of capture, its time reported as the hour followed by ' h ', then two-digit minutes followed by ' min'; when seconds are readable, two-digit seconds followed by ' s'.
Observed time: 2 h 49 min 41 s
